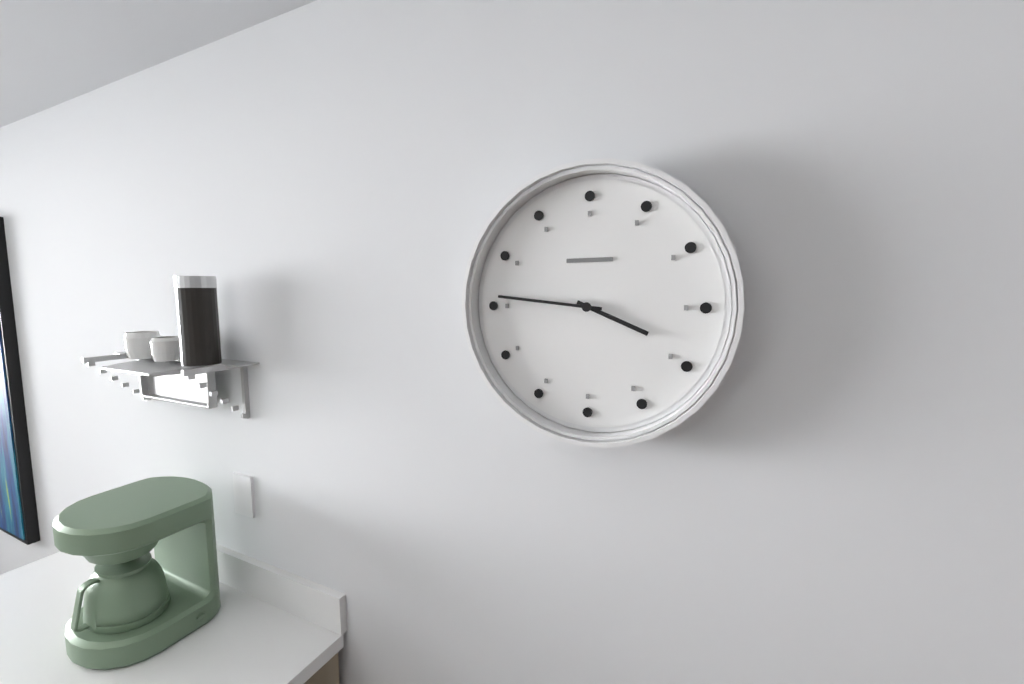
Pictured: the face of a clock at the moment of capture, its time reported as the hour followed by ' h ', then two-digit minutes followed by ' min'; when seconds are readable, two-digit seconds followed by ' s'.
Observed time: 3 h 46 min
